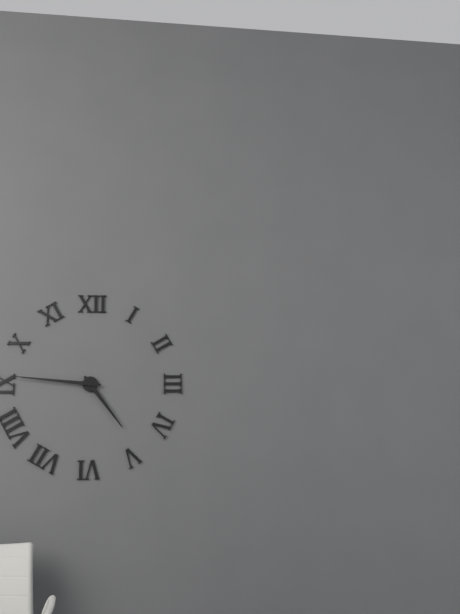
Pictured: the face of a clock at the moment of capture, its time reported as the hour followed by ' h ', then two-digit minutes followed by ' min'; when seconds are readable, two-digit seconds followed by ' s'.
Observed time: 4 h 46 min
